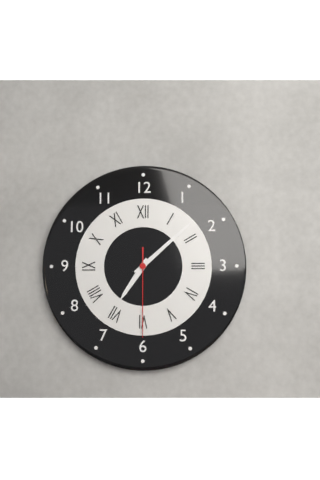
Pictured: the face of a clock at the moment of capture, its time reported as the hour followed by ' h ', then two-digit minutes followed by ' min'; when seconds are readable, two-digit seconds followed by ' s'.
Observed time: 7 h 08 min 30 s
